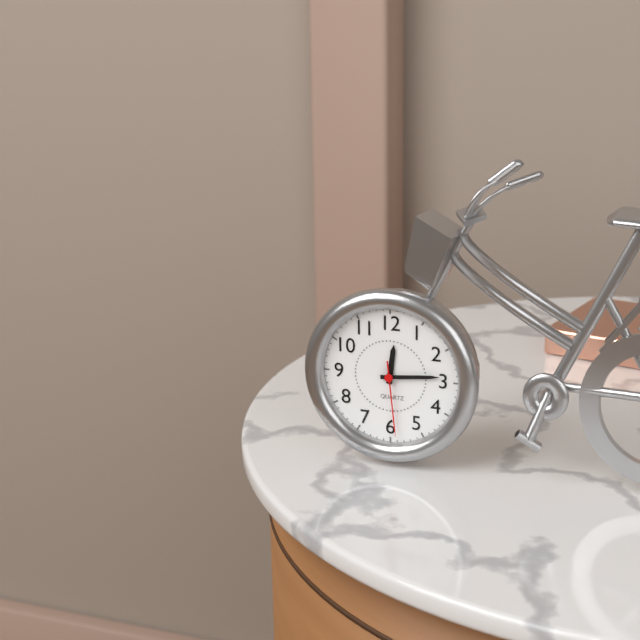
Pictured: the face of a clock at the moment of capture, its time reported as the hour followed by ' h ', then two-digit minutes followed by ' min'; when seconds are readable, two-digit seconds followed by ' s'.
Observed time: 12 h 14 min 29 s
